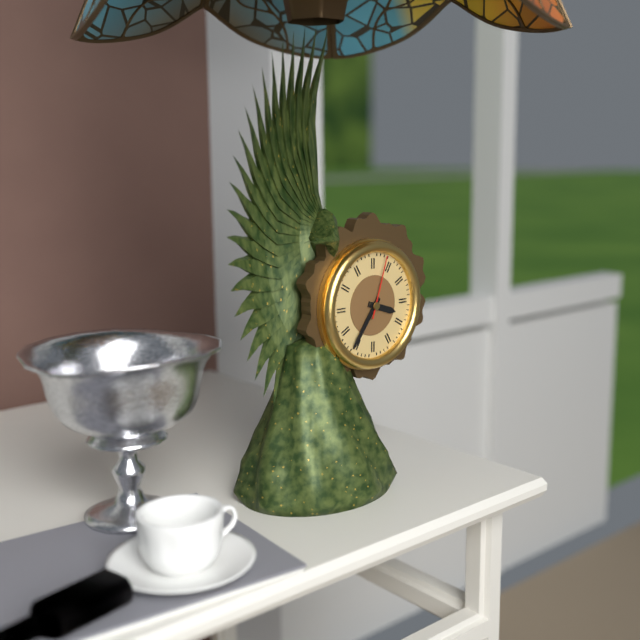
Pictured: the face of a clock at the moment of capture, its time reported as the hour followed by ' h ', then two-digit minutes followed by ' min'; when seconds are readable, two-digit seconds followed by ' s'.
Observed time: 3 h 36 min 03 s
